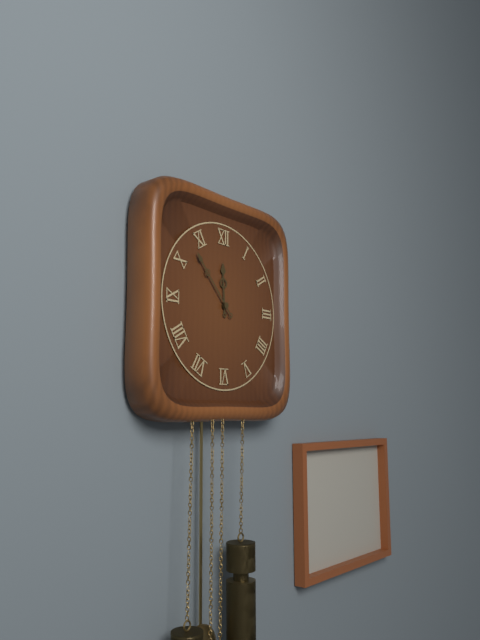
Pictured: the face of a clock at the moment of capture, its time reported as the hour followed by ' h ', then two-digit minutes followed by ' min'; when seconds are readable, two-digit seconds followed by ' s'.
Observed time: 11 h 53 min
